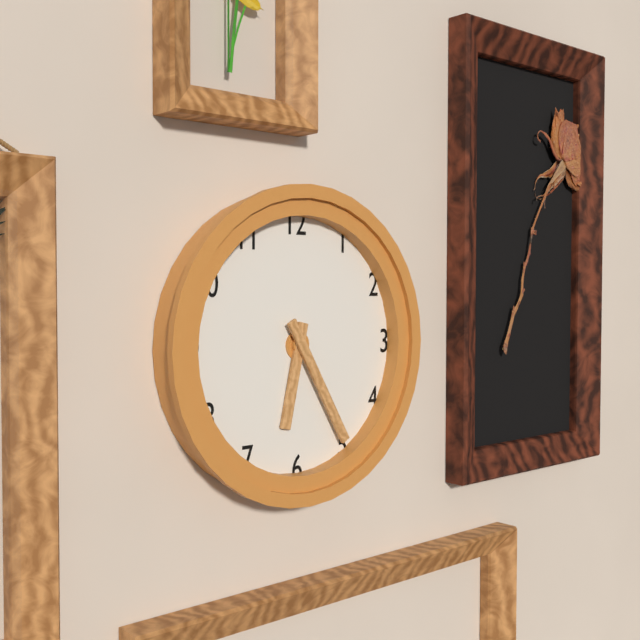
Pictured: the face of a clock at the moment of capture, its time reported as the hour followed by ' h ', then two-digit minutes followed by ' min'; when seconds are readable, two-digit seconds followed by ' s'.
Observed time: 6 h 25 min
